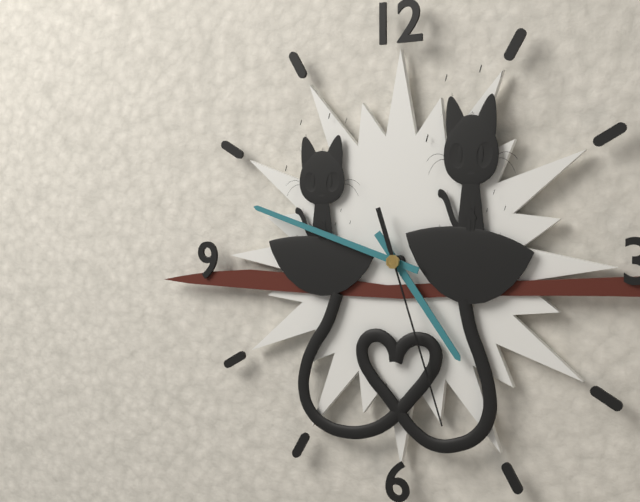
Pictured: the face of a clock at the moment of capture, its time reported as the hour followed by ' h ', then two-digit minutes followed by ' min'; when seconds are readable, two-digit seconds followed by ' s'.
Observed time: 4 h 48 min 27 s
